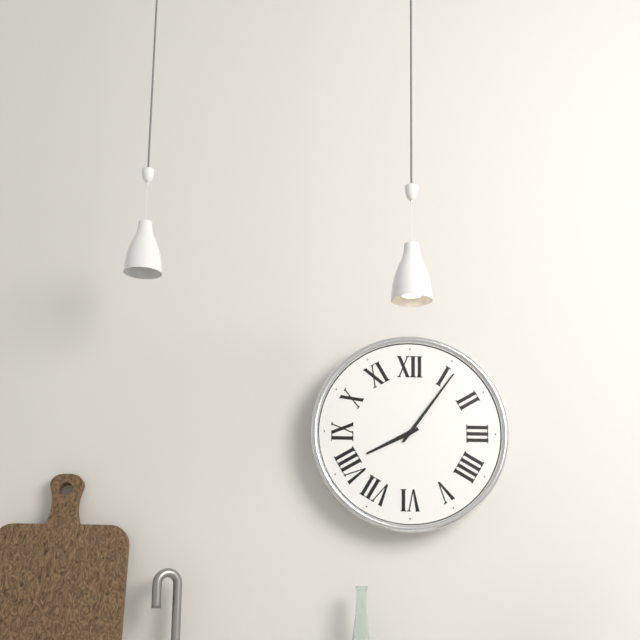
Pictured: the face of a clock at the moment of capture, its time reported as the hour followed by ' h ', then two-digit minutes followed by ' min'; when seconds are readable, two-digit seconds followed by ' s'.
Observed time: 8 h 06 min
